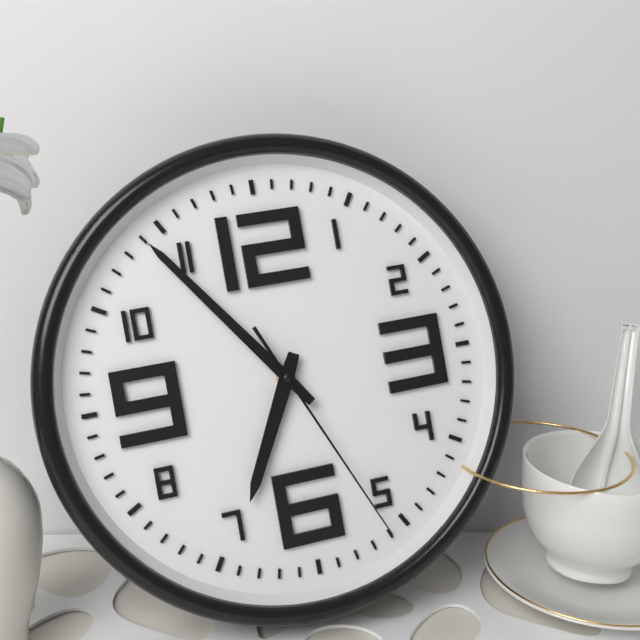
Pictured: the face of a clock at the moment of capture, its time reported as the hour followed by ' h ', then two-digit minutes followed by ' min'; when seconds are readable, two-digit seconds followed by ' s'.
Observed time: 6 h 54 min 26 s
